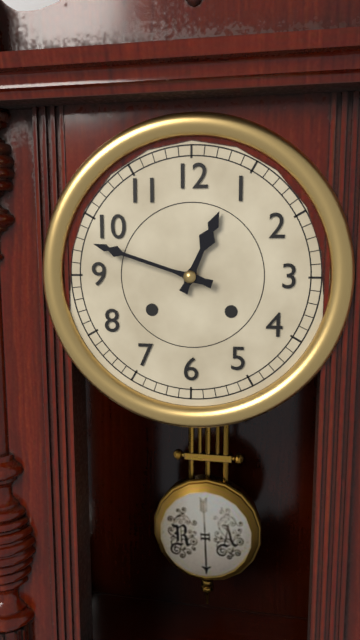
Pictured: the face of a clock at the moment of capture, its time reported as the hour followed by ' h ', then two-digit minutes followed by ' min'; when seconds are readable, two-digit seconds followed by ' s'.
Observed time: 12 h 48 min
